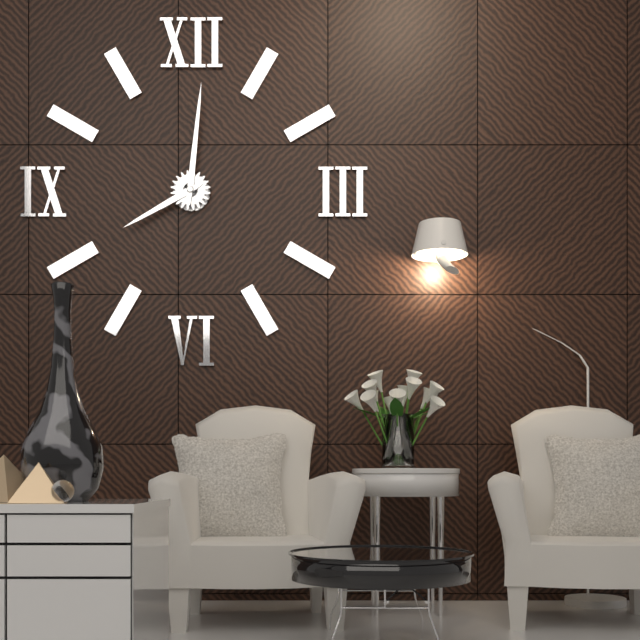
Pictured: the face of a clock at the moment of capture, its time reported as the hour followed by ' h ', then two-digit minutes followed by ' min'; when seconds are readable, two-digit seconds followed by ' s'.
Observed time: 8 h 01 min
